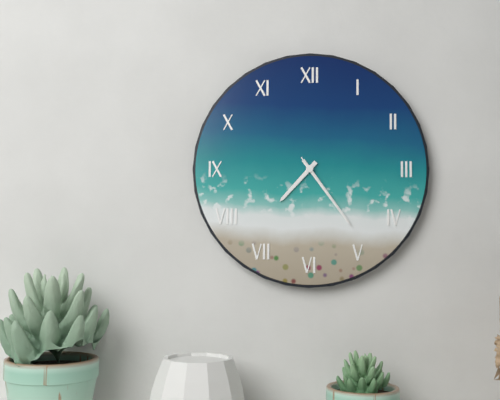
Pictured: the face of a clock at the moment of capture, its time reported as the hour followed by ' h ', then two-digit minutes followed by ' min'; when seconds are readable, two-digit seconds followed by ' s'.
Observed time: 7 h 24 min 24 s
